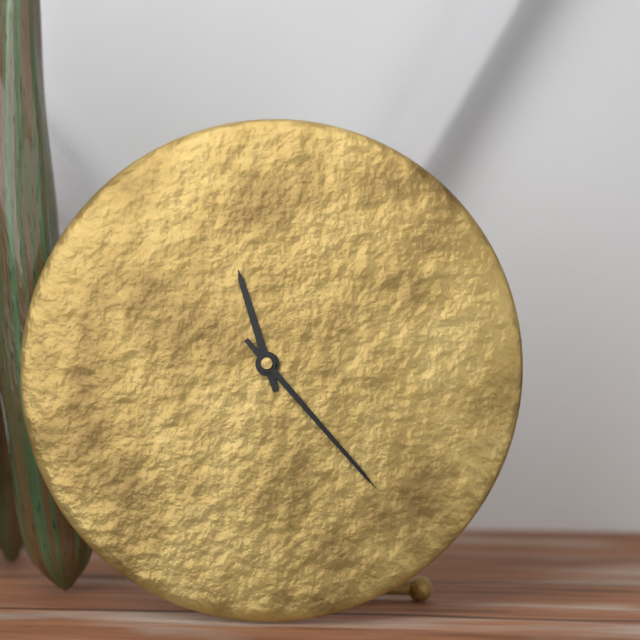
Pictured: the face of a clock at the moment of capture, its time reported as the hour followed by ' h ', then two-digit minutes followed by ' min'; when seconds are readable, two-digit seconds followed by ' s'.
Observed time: 11 h 23 min
